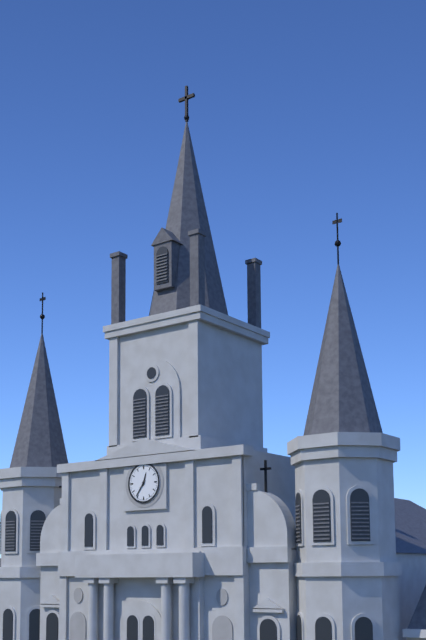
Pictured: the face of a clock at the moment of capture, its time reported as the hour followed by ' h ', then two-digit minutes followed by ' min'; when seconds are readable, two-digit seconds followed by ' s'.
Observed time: 12 h 36 min
